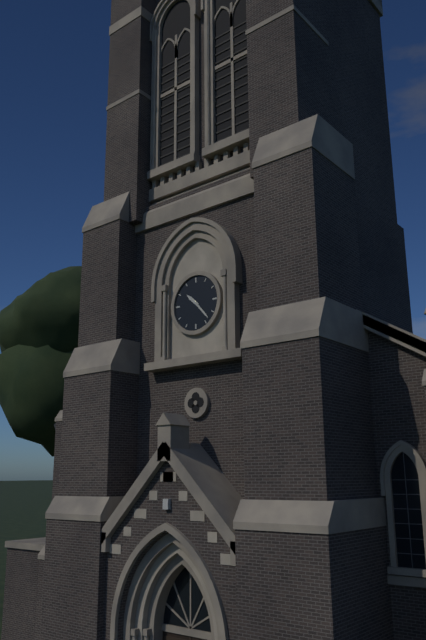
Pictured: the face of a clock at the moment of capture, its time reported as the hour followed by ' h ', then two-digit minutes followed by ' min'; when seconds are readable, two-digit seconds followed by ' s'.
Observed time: 10 h 23 min
